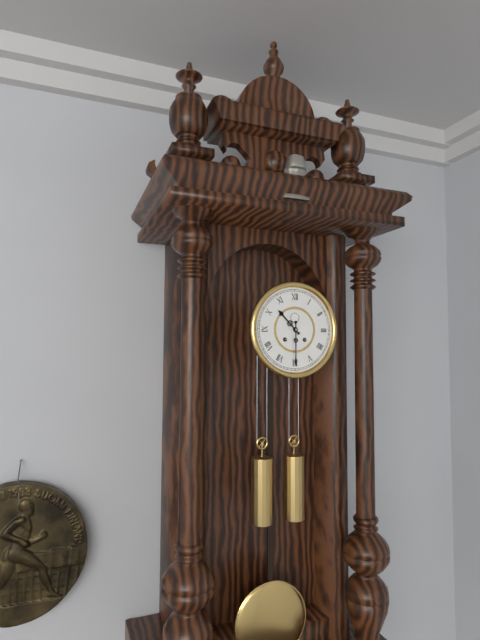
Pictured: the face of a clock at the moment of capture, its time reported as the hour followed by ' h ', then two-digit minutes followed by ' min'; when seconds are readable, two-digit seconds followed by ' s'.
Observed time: 10 h 30 min
